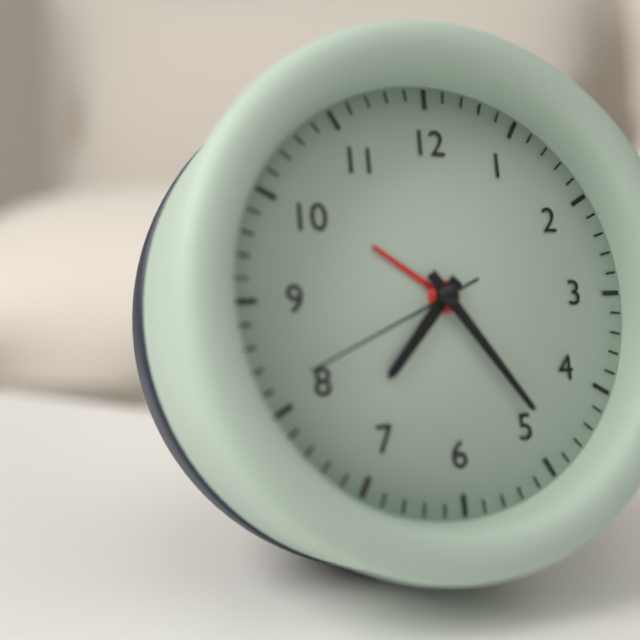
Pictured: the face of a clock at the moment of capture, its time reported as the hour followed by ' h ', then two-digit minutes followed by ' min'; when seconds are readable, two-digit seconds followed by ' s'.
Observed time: 7 h 24 min 41 s
